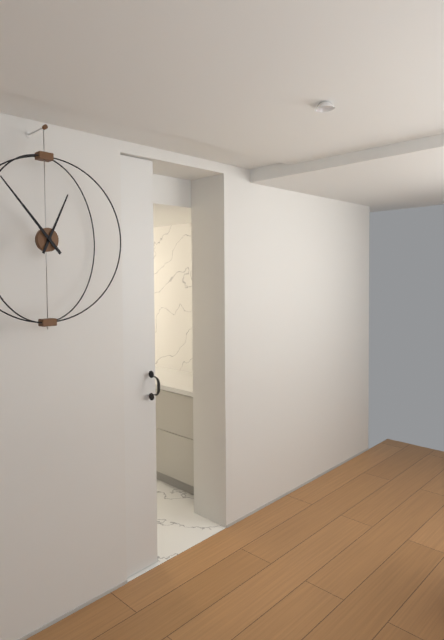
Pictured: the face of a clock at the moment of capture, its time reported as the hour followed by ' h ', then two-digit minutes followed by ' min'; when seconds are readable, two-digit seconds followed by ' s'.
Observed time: 12 h 53 min
